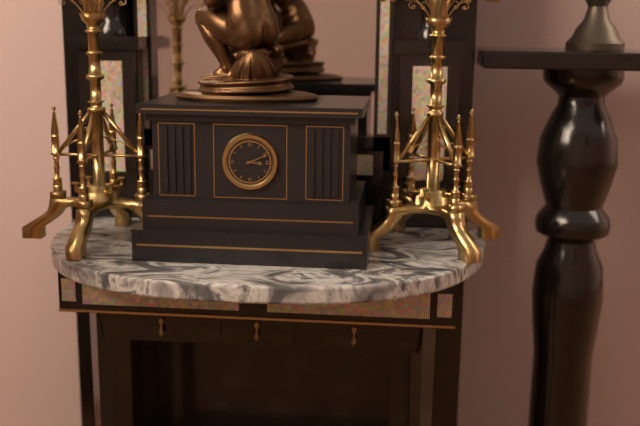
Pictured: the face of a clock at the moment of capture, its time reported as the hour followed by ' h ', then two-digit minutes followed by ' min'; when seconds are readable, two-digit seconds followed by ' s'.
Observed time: 3 h 11 min
